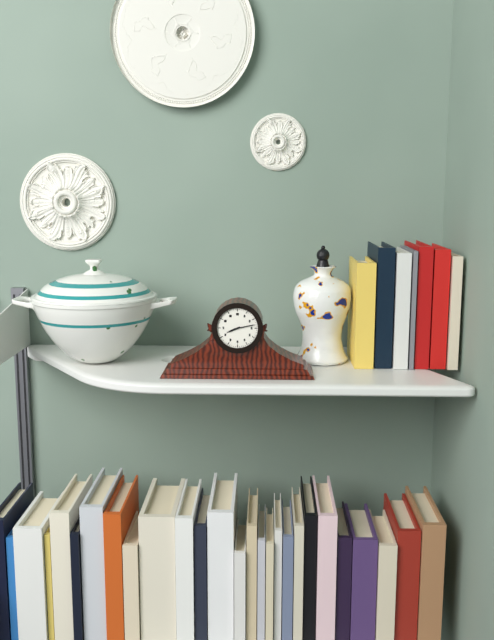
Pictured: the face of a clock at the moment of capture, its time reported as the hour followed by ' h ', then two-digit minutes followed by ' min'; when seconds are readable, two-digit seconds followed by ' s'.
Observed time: 8 h 13 min
